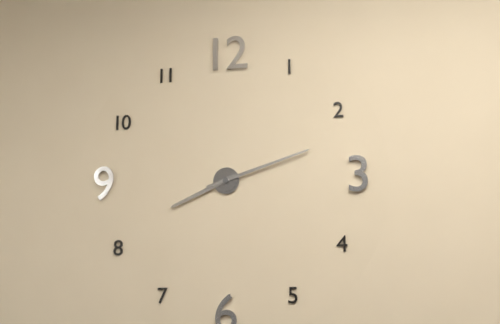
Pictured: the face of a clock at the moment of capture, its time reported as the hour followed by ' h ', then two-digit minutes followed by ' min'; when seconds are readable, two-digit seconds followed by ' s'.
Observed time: 8 h 12 min
